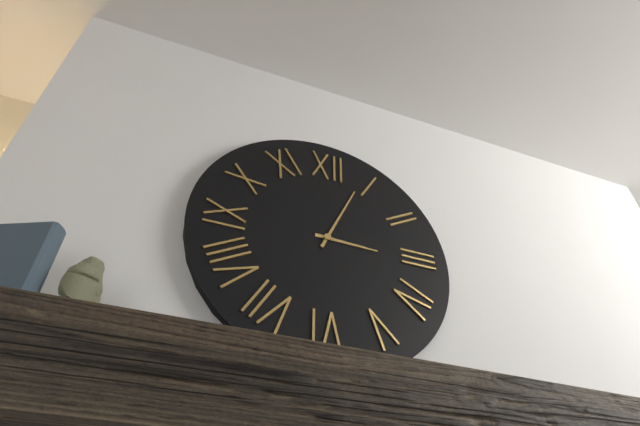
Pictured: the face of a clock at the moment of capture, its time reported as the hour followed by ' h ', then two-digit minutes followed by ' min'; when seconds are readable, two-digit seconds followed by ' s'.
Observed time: 3 h 04 min
